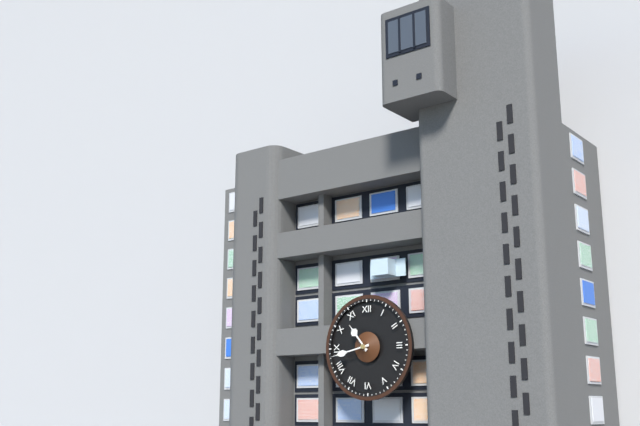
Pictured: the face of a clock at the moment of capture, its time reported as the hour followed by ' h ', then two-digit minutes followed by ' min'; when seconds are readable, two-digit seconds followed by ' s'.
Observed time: 10 h 43 min
